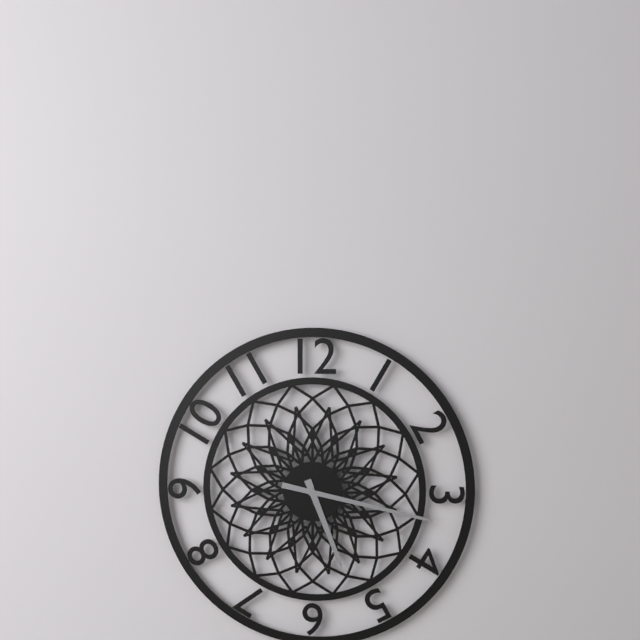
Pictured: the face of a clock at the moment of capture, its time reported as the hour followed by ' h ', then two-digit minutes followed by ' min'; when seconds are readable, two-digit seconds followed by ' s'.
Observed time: 5 h 17 min
